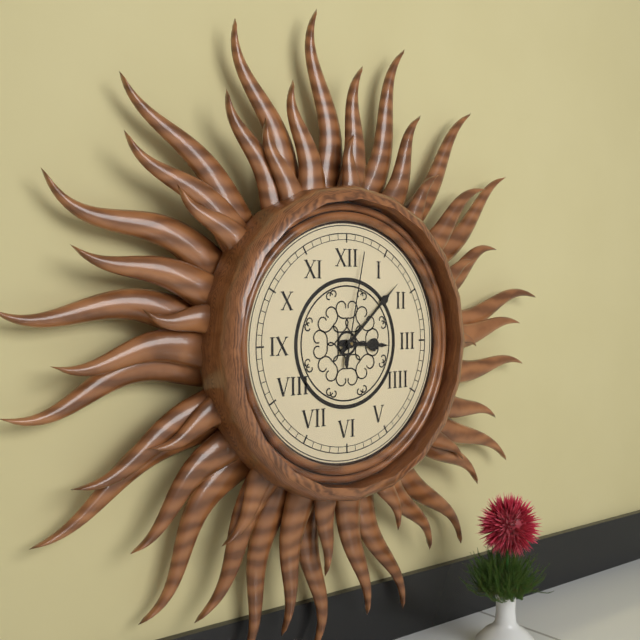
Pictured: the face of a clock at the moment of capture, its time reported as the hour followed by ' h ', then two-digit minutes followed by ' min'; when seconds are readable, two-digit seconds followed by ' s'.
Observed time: 3 h 08 min 02 s
